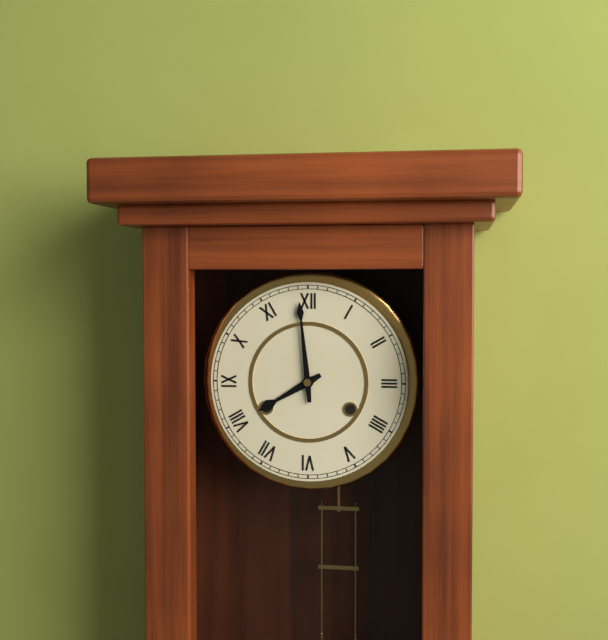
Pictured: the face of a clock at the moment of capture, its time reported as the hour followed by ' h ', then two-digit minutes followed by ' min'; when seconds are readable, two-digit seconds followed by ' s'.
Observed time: 7 h 59 min
